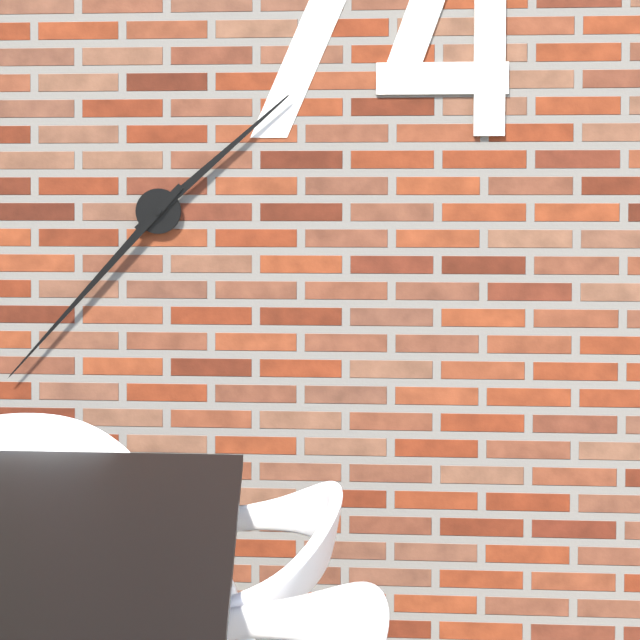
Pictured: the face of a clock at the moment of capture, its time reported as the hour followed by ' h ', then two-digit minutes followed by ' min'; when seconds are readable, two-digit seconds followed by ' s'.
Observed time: 1 h 37 min
